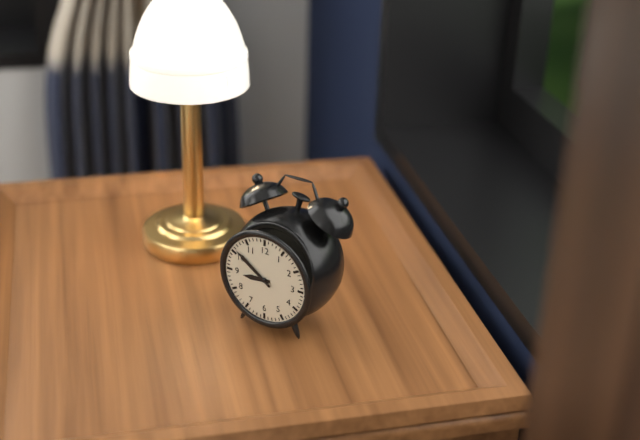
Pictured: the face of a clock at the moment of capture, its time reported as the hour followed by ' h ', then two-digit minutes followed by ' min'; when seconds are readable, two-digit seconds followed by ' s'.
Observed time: 8 h 51 min
